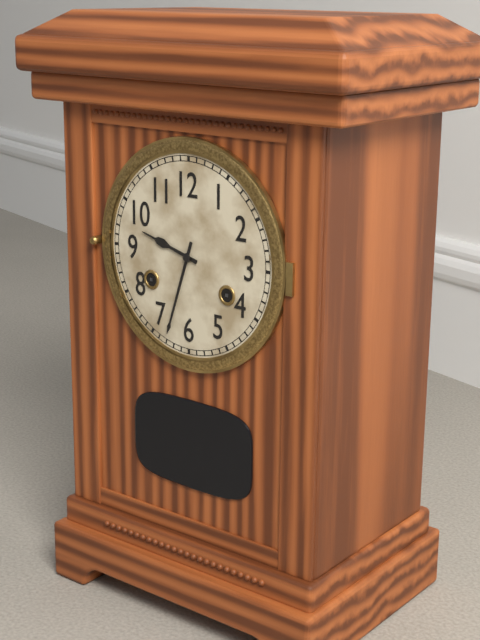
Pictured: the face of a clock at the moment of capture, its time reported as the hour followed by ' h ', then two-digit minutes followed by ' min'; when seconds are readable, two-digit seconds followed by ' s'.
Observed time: 9 h 33 min
